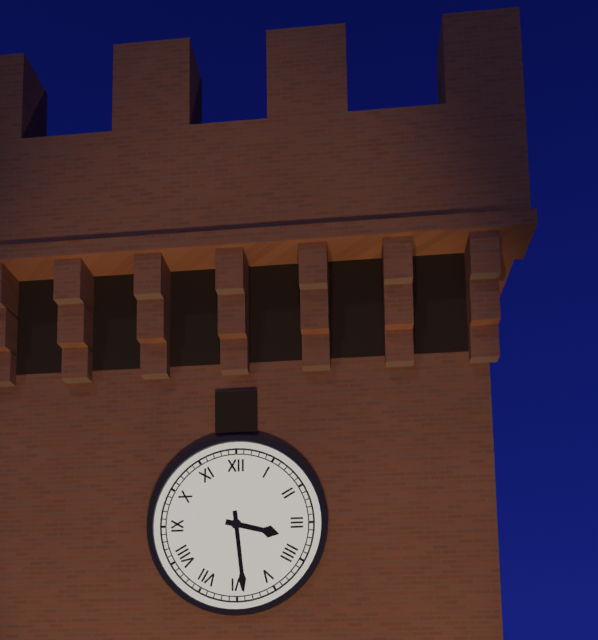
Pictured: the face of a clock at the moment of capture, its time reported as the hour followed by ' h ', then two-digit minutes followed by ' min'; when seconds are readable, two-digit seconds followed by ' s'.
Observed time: 3 h 29 min
